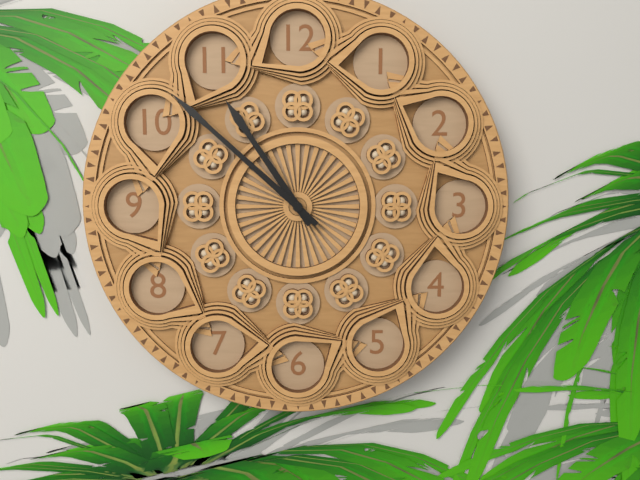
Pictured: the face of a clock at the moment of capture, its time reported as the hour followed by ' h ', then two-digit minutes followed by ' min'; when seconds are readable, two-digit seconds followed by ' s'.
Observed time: 10 h 52 min
